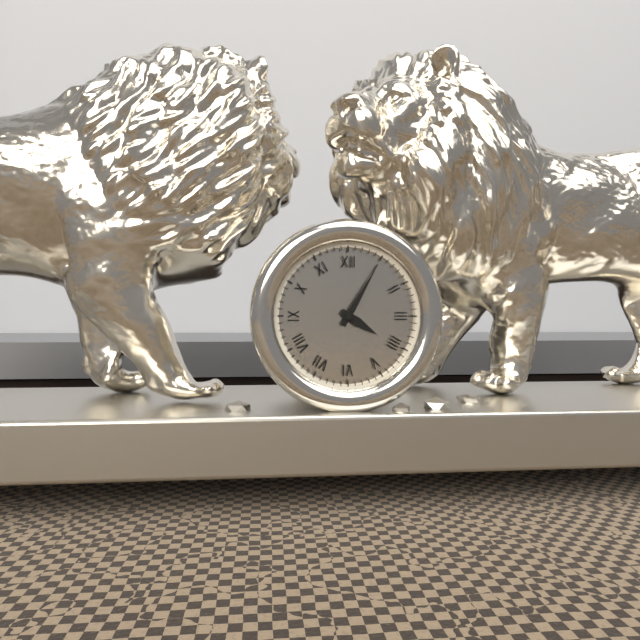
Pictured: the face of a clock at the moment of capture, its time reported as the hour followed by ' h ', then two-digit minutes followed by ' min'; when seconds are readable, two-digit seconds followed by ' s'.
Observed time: 4 h 05 min
